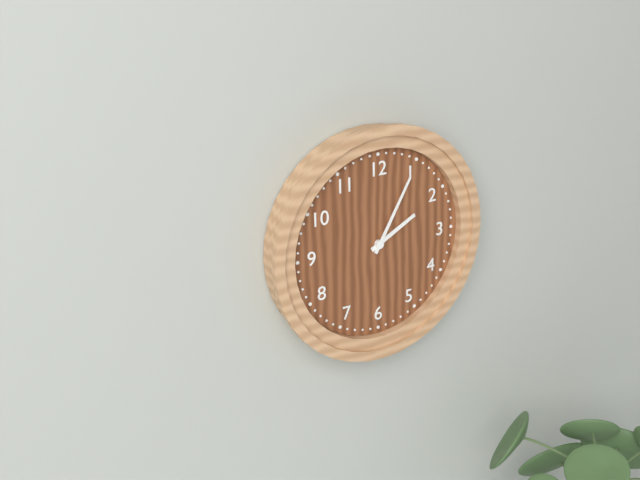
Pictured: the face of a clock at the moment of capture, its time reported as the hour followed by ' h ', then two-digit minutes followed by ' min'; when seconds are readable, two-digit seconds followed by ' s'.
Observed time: 2 h 05 min
